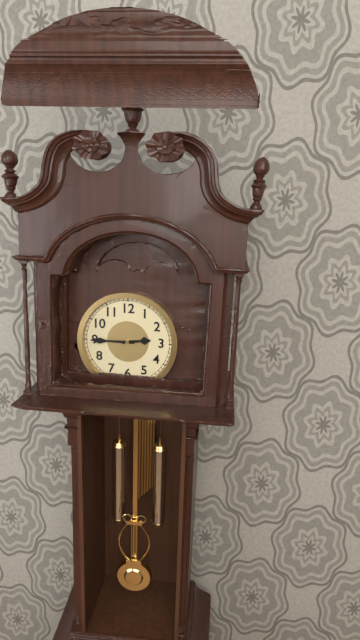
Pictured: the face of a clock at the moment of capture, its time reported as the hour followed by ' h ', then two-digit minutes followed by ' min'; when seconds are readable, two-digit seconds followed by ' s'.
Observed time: 2 h 45 min
